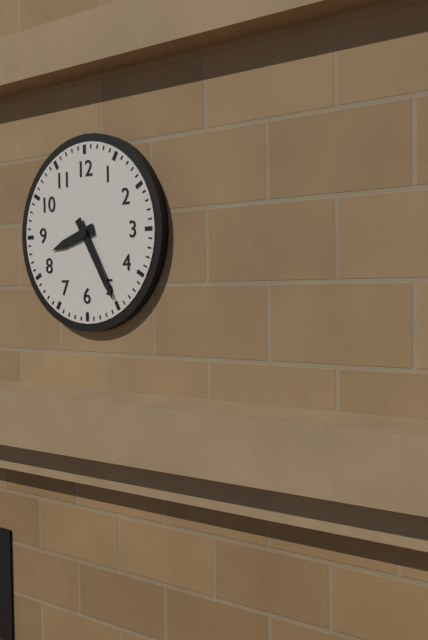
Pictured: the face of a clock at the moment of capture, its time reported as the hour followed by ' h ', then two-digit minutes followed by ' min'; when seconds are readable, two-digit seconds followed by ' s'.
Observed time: 8 h 25 min
